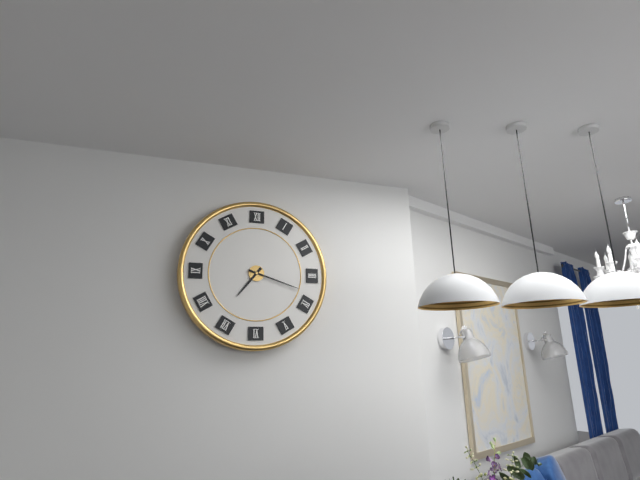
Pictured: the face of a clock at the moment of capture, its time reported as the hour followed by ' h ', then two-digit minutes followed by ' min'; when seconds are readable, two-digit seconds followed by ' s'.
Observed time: 7 h 18 min
